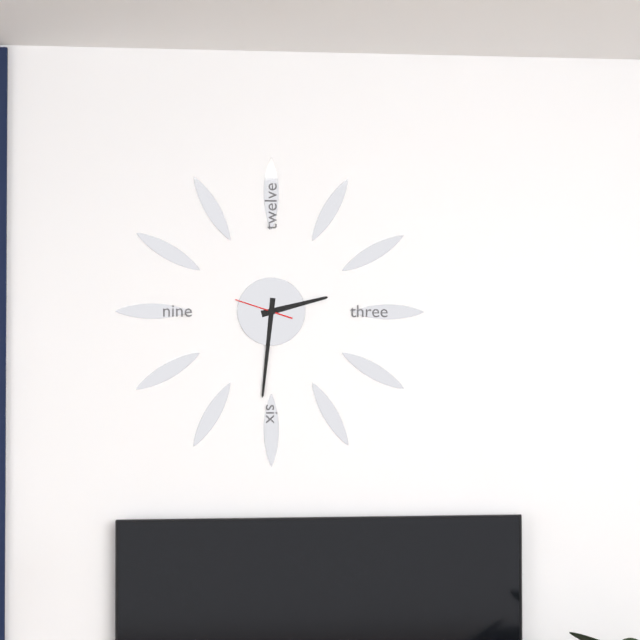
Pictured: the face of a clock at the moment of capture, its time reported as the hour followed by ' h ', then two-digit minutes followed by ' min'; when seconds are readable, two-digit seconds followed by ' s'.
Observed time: 2 h 31 min
